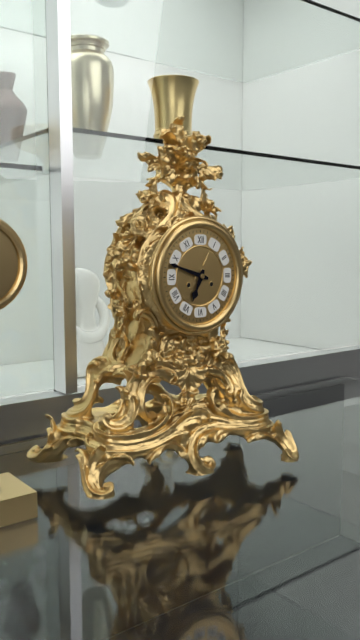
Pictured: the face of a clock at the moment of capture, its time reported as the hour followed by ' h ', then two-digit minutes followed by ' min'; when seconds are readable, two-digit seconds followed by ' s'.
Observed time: 6 h 48 min
